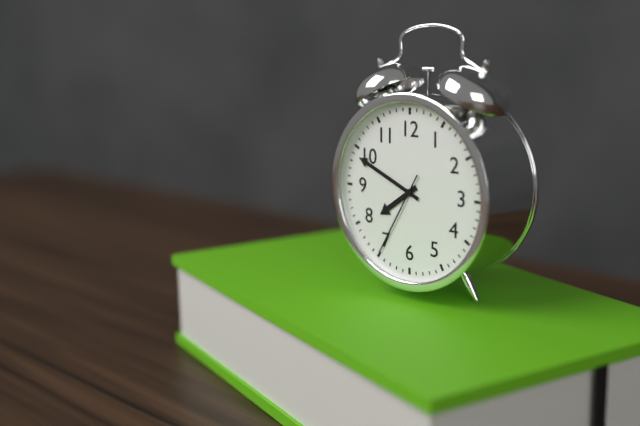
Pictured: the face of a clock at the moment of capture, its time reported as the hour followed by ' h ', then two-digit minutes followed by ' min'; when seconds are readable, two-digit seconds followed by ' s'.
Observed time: 7 h 49 min 35 s
